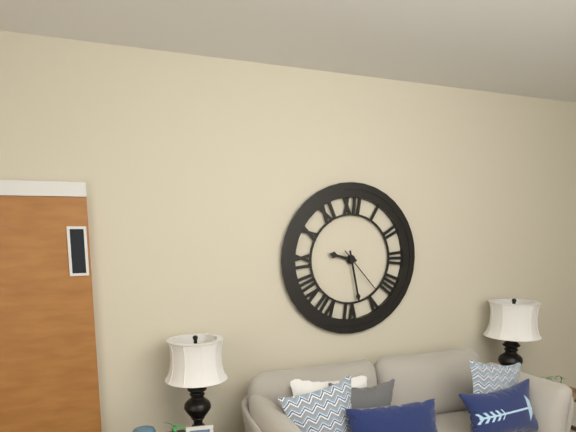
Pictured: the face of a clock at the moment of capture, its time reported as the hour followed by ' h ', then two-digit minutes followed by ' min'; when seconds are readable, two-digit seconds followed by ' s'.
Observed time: 9 h 28 min
